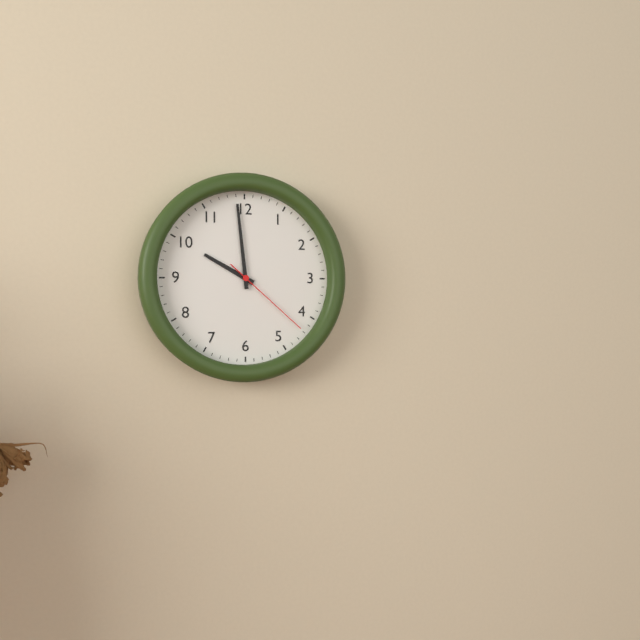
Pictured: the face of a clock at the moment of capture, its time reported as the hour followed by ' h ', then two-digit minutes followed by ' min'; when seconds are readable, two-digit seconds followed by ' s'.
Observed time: 9 h 59 min 22 s
